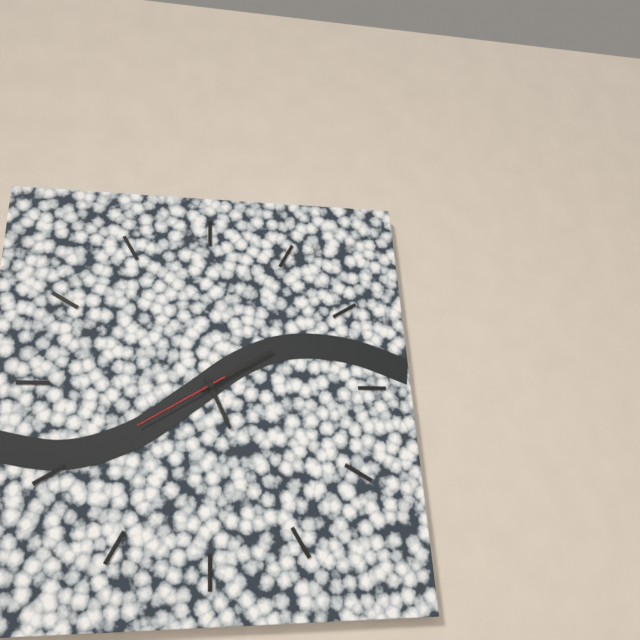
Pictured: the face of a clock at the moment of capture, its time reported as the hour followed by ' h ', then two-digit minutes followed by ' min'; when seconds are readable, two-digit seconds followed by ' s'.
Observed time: 5 h 10 min 40 s
